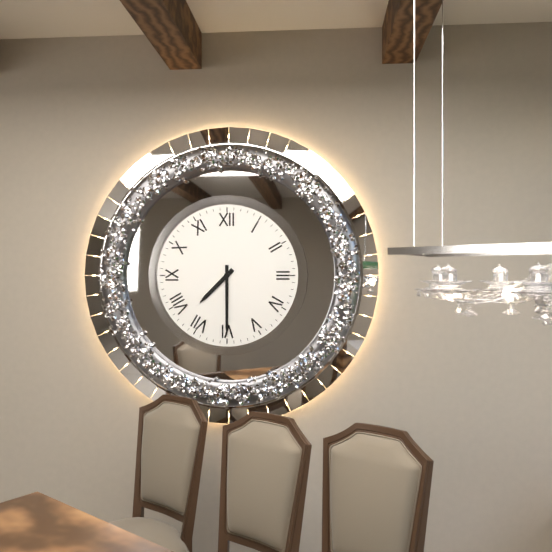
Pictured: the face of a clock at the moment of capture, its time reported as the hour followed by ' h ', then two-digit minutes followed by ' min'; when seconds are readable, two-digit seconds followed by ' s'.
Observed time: 7 h 30 min
